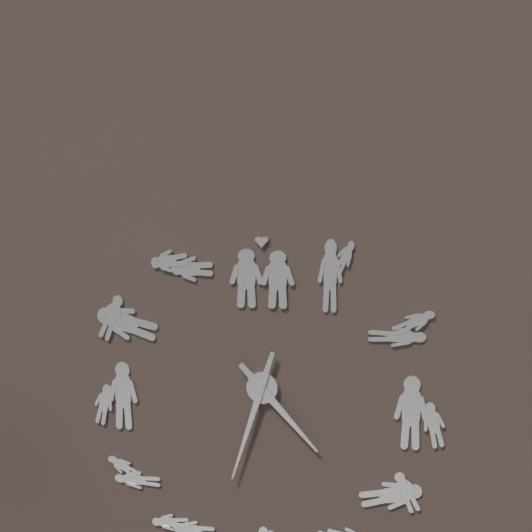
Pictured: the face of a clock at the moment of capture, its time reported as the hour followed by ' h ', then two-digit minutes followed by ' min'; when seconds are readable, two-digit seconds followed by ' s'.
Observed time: 4 h 33 min
